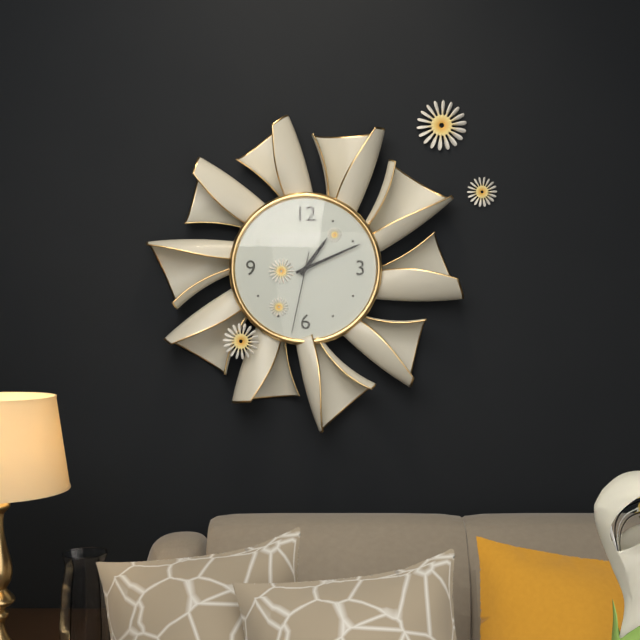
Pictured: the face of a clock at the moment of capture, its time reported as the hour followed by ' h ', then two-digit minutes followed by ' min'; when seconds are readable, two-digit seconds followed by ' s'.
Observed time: 1 h 11 min 32 s
